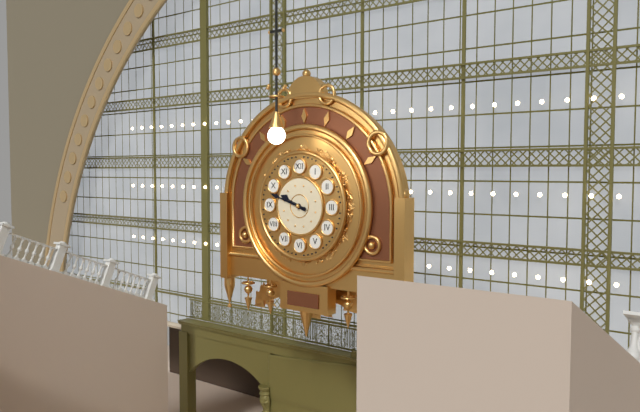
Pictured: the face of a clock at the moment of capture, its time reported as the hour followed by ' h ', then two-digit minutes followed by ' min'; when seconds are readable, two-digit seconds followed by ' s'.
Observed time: 9 h 48 min
